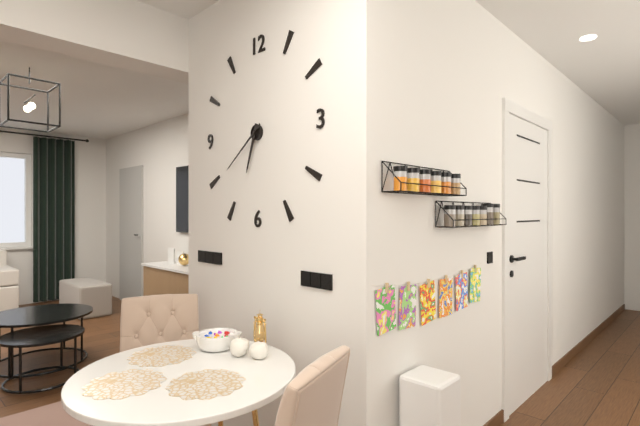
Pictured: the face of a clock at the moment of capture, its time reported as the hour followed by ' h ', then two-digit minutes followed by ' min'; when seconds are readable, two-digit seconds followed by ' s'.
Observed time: 6 h 39 min
